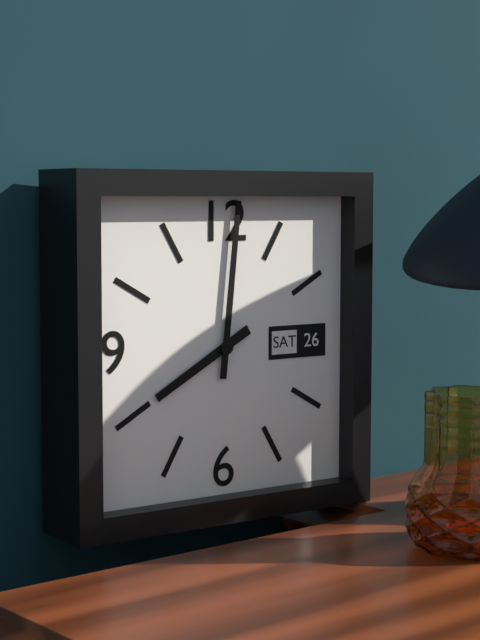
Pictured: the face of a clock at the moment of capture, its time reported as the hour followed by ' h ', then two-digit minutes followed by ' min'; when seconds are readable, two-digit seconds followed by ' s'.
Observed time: 8 h 01 min
